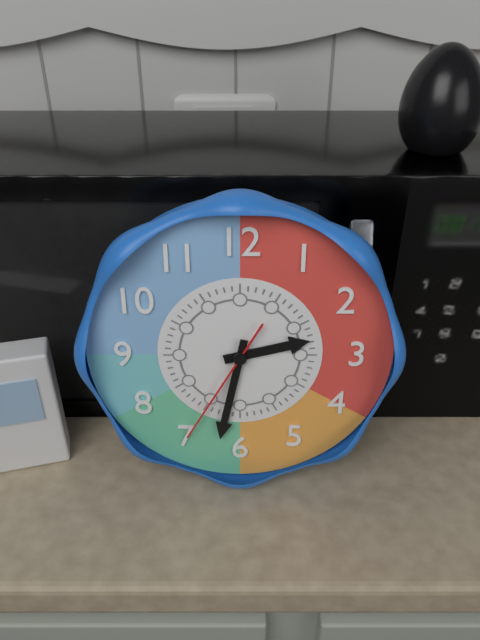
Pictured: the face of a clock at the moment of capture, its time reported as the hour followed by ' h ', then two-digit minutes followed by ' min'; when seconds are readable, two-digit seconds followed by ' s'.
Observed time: 2 h 32 min 35 s
